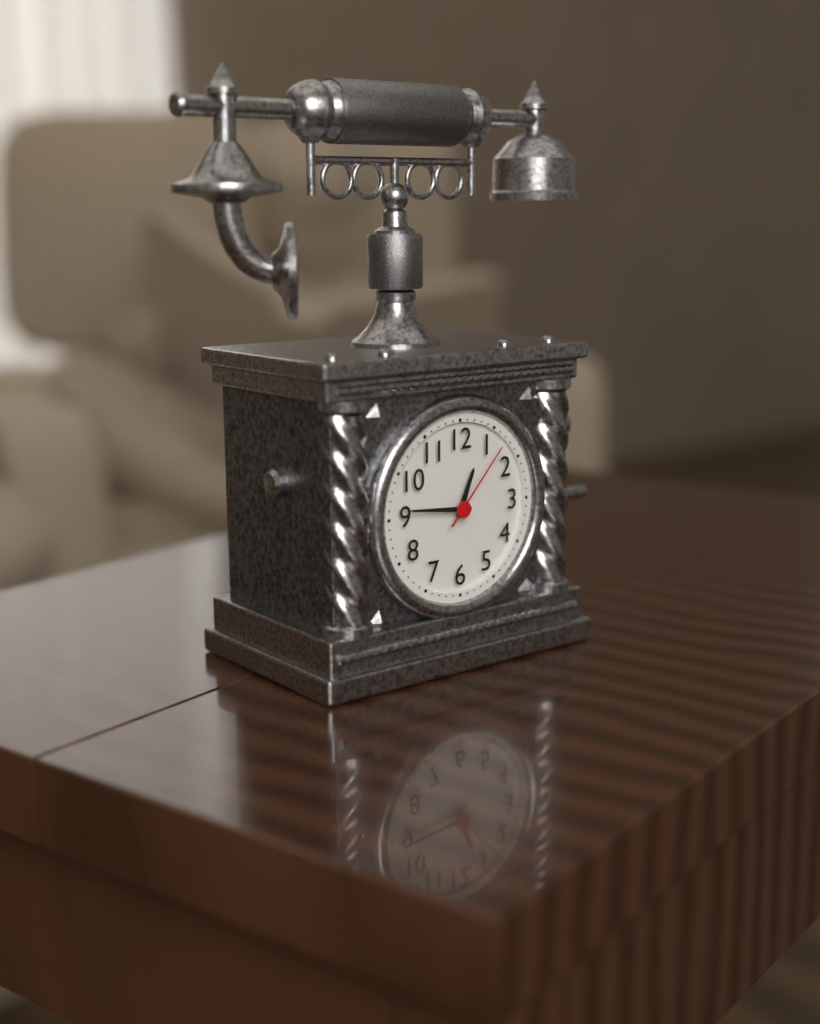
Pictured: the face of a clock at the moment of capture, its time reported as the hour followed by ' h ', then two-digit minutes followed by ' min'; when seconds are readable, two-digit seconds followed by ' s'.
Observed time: 12 h 46 min 07 s
